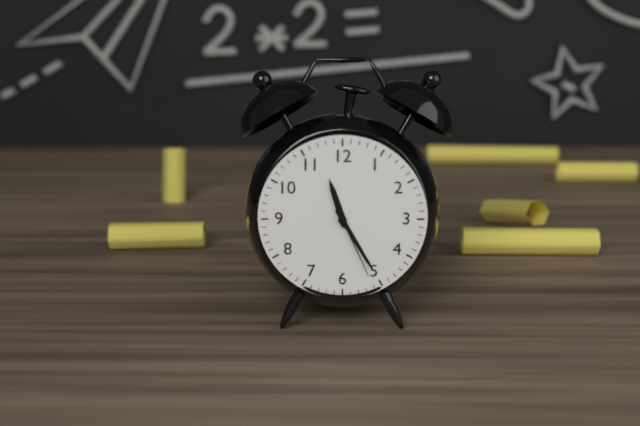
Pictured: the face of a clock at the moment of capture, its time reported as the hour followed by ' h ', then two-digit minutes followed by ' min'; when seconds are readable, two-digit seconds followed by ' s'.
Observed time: 11 h 25 min 26 s
